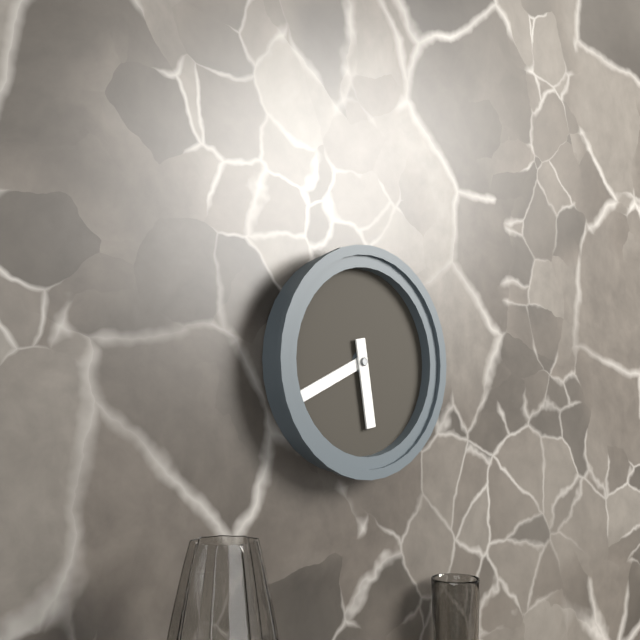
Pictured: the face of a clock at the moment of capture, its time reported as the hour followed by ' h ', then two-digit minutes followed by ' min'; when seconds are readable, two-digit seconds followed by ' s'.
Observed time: 5 h 41 min
